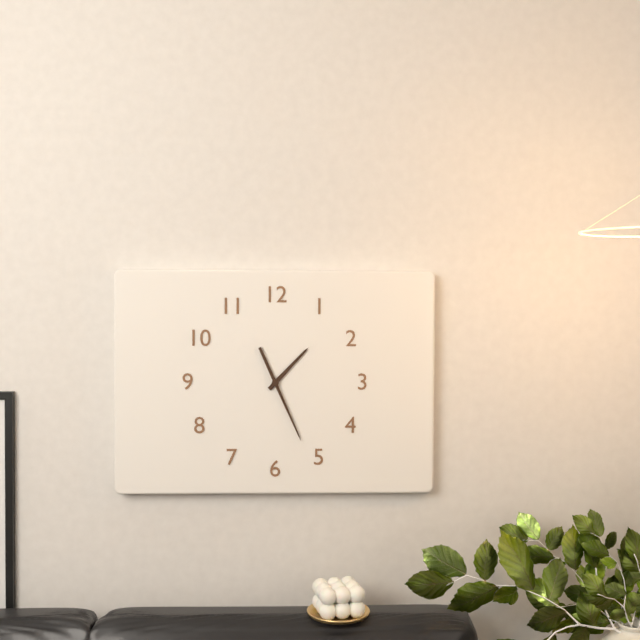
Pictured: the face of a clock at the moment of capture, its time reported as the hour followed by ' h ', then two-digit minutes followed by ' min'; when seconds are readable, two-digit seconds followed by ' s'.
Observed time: 1 h 26 min
